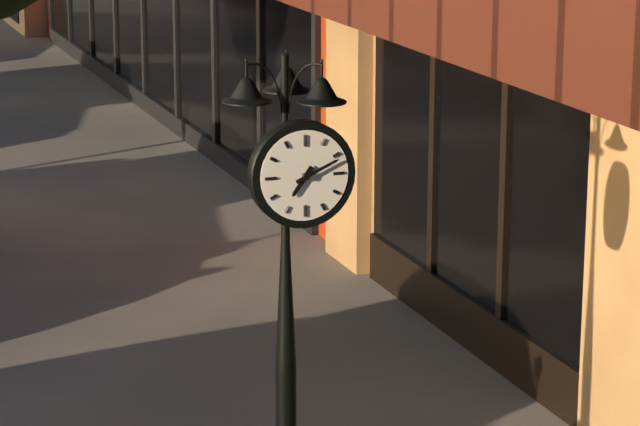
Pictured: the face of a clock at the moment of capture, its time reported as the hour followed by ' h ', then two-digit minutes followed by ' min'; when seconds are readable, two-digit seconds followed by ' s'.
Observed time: 7 h 11 min
